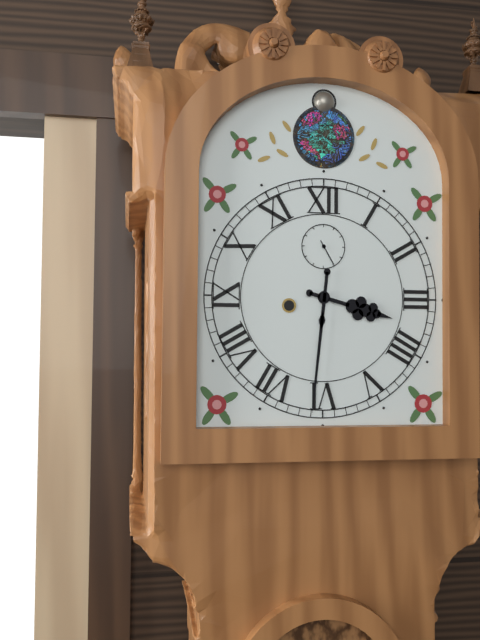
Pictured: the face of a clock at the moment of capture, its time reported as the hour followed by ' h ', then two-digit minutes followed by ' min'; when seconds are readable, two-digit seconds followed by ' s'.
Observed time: 3 h 31 min
